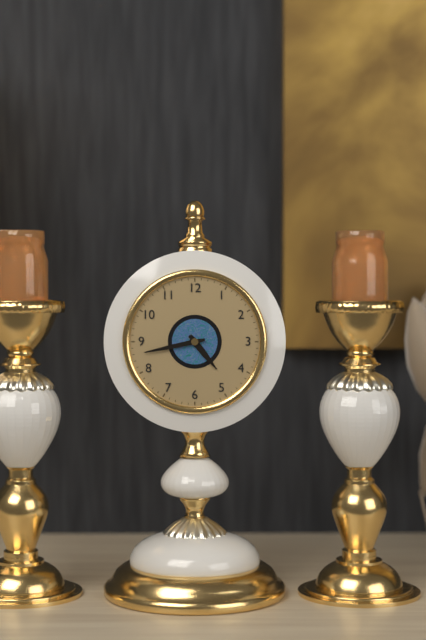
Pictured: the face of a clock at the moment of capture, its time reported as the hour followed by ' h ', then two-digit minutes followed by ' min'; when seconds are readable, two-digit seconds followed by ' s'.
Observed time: 4 h 43 min
